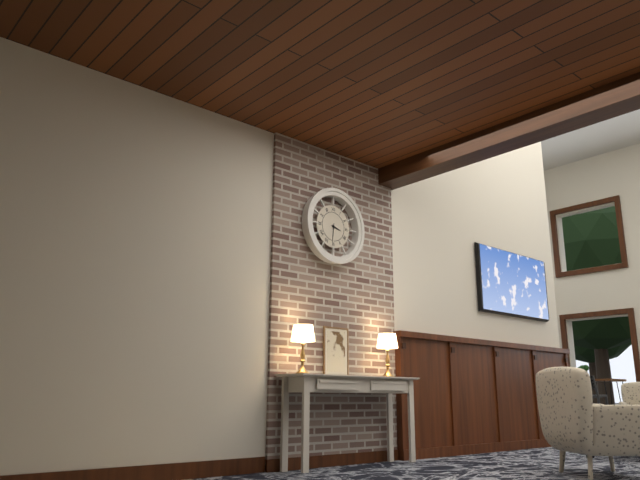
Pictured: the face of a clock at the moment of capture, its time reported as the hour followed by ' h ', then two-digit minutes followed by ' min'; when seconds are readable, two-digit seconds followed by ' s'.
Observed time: 3 h 31 min
